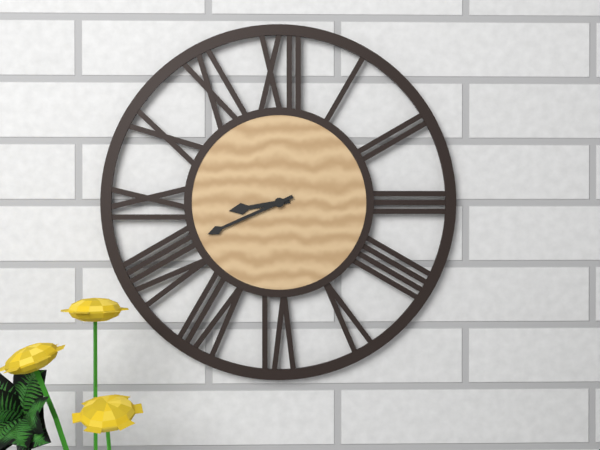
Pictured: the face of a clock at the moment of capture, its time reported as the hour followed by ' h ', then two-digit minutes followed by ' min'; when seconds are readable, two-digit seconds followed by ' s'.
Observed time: 8 h 41 min
